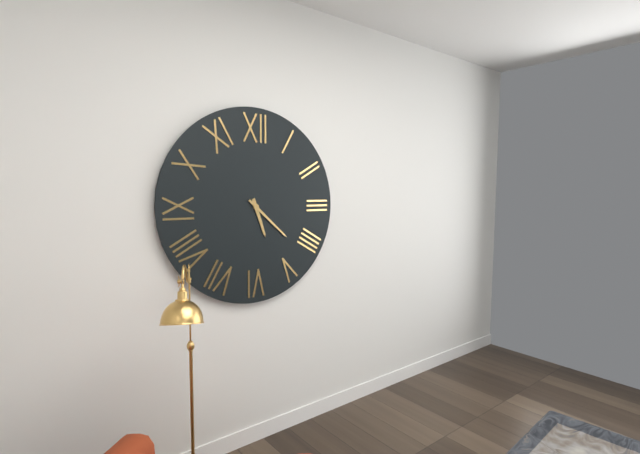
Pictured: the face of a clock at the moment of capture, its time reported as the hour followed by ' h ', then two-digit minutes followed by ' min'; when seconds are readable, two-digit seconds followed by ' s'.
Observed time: 5 h 22 min
